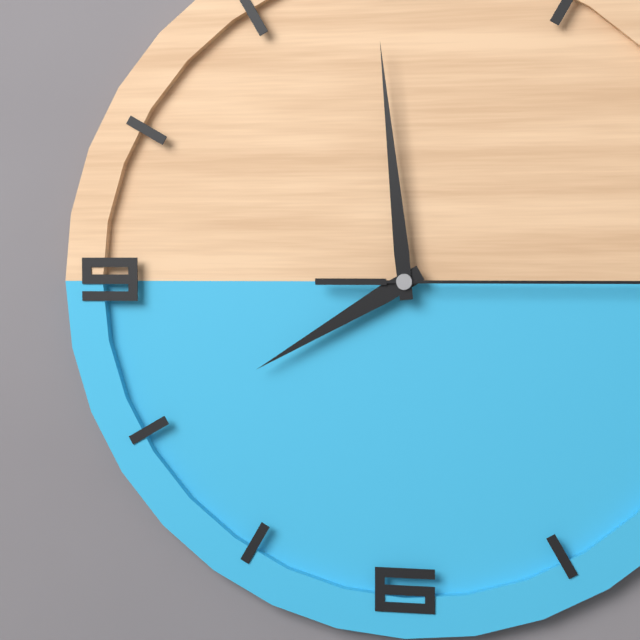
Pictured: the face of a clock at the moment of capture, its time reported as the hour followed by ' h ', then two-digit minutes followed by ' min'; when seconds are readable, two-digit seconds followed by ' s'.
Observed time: 7 h 59 min
